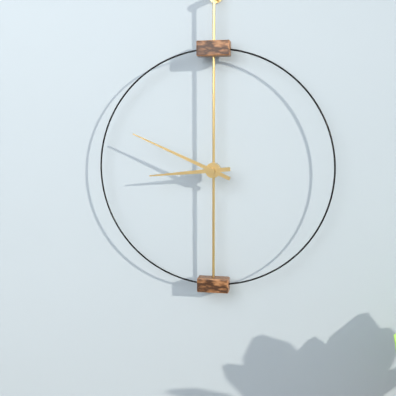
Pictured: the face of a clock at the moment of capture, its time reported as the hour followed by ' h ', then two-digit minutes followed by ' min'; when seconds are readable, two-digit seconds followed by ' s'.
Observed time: 8 h 49 min
